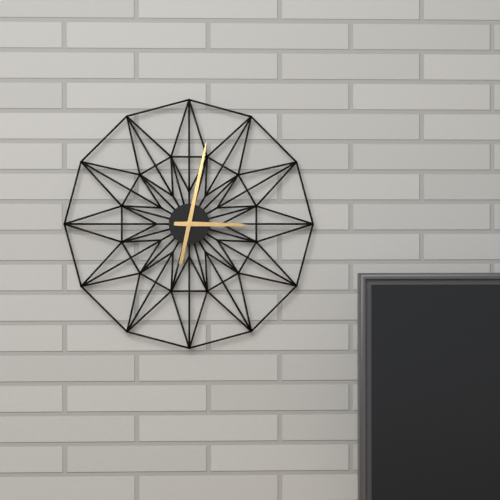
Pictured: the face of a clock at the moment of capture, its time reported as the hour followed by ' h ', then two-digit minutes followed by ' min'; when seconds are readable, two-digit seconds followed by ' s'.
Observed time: 3 h 02 min
